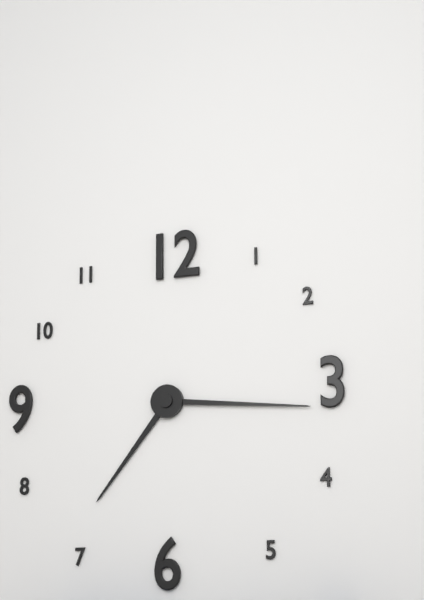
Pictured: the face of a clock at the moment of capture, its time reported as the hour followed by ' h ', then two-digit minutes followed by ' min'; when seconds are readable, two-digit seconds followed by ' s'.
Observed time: 7 h 16 min
